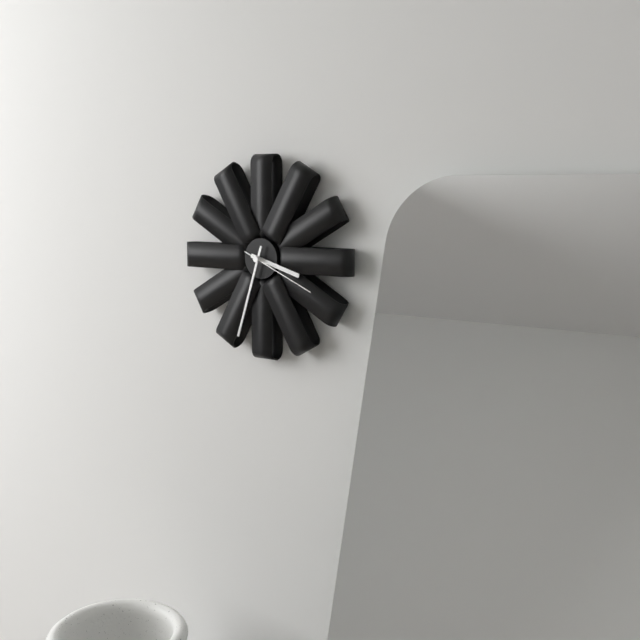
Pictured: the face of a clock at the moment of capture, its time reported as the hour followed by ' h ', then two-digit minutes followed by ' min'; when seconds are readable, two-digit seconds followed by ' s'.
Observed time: 3 h 33 min 19 s
